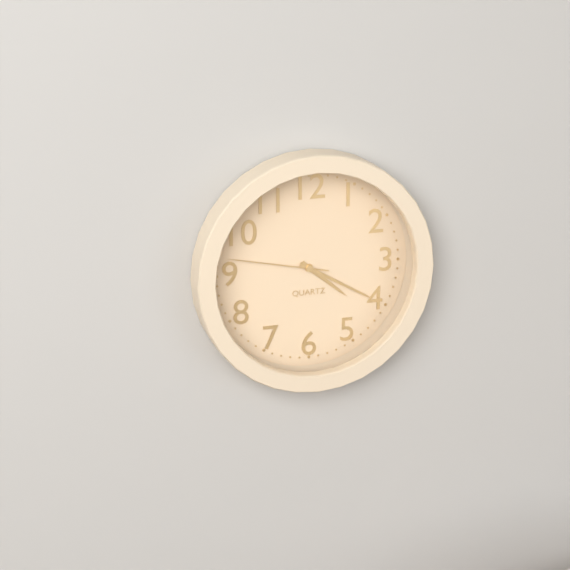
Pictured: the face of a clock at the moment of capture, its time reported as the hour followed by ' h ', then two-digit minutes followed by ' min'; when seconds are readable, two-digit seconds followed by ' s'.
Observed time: 4 h 20 min 47 s
